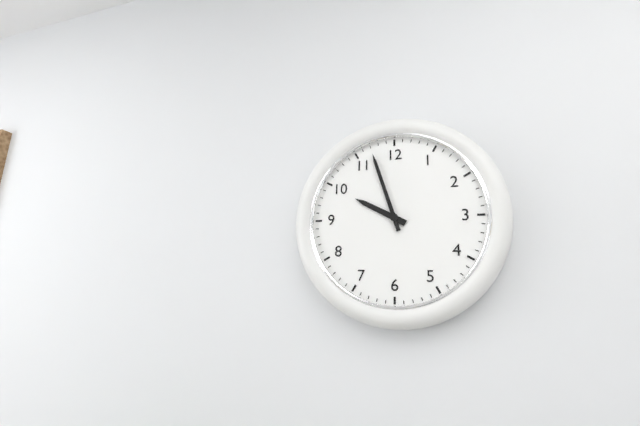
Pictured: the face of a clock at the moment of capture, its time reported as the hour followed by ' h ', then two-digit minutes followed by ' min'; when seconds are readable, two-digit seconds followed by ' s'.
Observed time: 9 h 57 min
